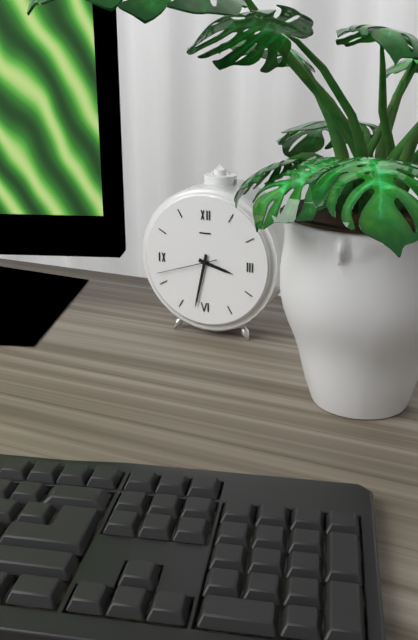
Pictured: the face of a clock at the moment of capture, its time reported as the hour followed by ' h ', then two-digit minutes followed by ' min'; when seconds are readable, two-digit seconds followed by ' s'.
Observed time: 3 h 32 min 42 s
